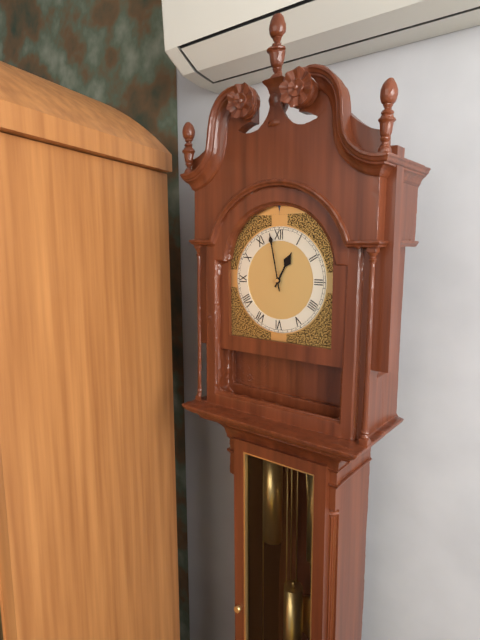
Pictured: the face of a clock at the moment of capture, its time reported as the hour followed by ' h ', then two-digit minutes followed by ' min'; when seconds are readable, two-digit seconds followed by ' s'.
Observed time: 12 h 58 min
